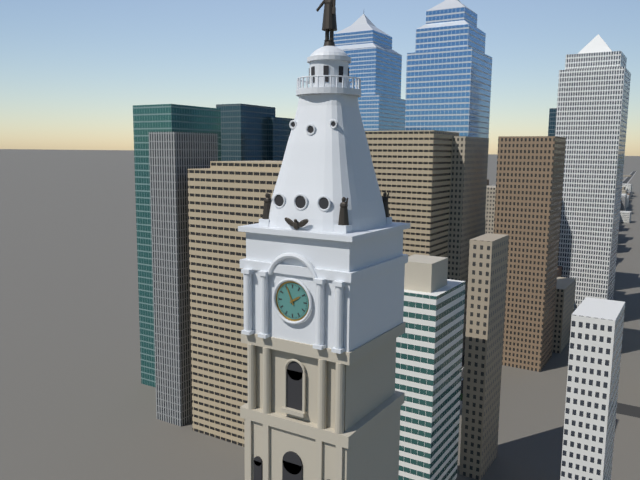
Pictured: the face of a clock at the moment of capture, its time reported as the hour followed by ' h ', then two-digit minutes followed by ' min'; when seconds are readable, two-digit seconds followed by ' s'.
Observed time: 1 h 56 min
